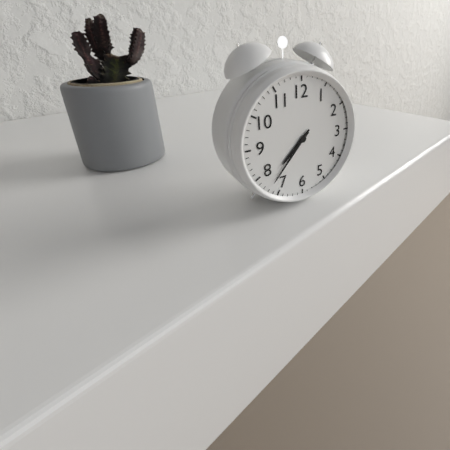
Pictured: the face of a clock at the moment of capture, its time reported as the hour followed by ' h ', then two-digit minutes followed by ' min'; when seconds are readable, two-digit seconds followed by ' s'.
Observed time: 7 h 37 min
